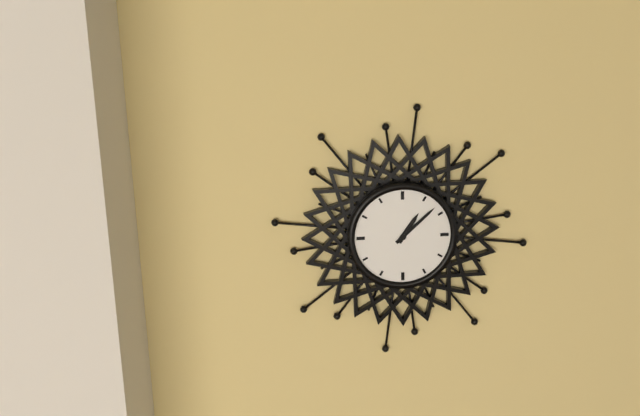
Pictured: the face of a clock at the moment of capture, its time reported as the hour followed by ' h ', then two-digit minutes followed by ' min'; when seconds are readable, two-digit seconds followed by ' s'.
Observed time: 1 h 08 min
